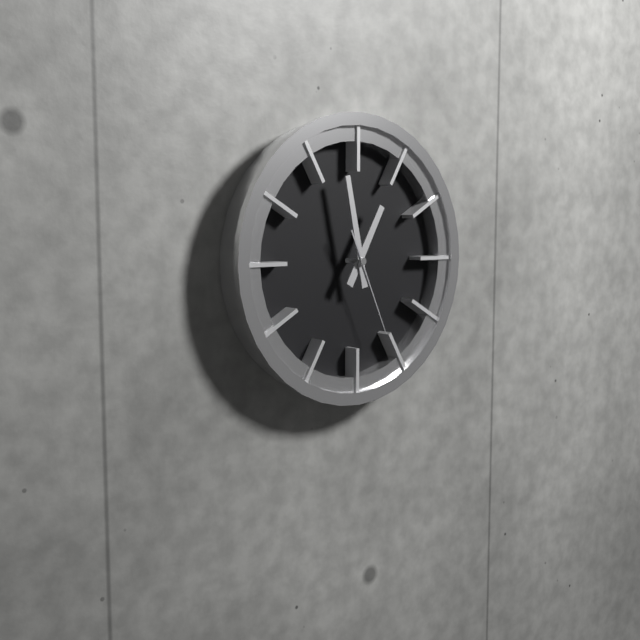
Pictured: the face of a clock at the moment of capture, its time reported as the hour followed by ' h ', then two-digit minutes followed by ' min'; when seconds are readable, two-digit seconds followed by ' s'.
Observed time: 12 h 58 min 26 s
